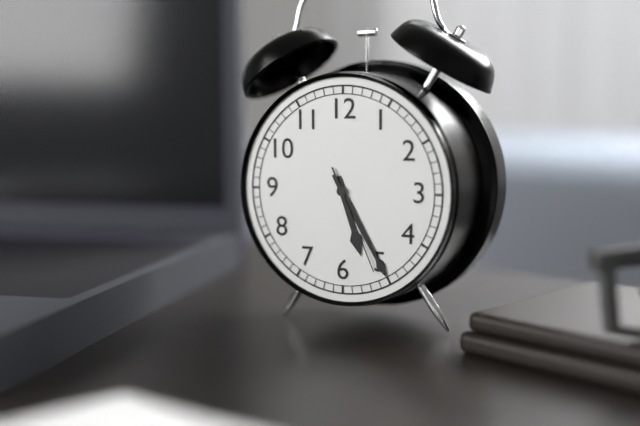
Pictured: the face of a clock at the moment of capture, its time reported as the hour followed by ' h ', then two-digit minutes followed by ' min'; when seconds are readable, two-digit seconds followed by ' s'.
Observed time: 5 h 25 min 26 s
